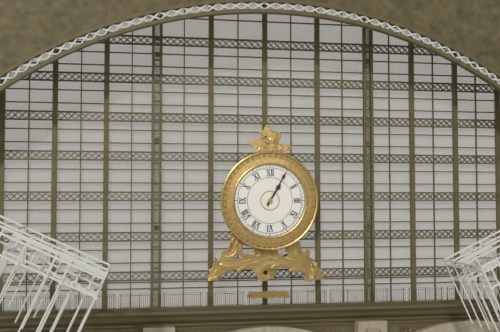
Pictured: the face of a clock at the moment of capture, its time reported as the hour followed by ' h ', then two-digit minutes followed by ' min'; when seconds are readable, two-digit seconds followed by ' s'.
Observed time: 1 h 05 min
